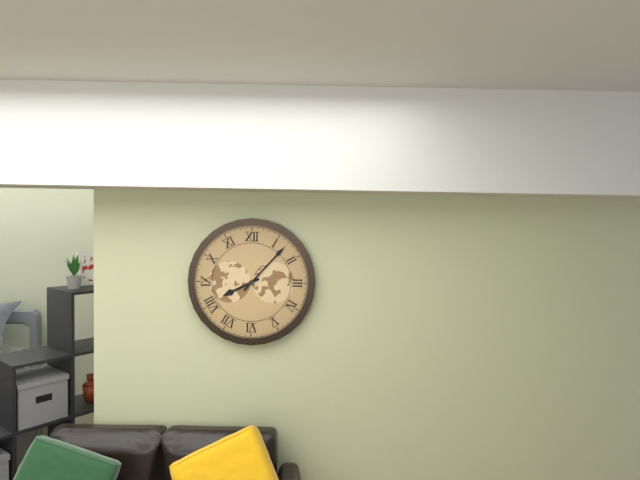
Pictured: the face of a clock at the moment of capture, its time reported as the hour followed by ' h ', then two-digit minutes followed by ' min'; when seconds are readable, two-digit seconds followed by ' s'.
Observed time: 8 h 07 min
